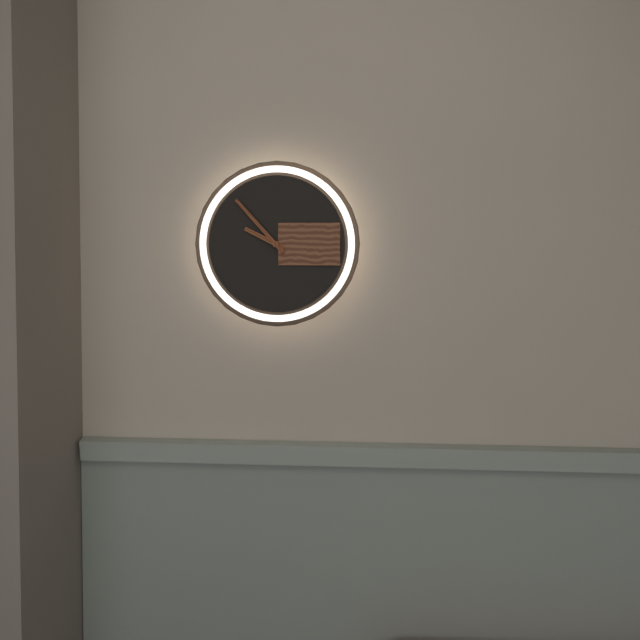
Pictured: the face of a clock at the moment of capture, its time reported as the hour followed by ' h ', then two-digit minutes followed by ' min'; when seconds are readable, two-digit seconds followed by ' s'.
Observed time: 9 h 53 min
